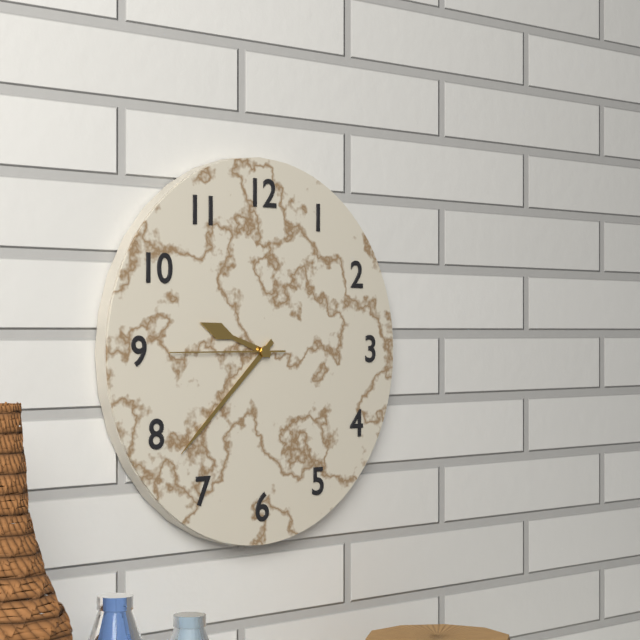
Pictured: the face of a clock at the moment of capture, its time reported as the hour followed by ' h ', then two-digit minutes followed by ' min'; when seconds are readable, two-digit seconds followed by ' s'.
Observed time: 9 h 38 min 45 s
